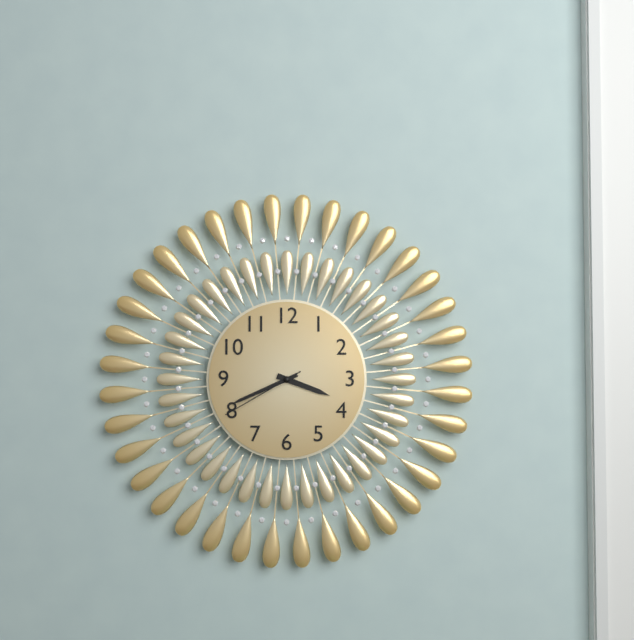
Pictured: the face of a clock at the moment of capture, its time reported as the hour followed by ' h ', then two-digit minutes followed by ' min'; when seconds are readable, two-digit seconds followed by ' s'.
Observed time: 3 h 41 min 40 s
